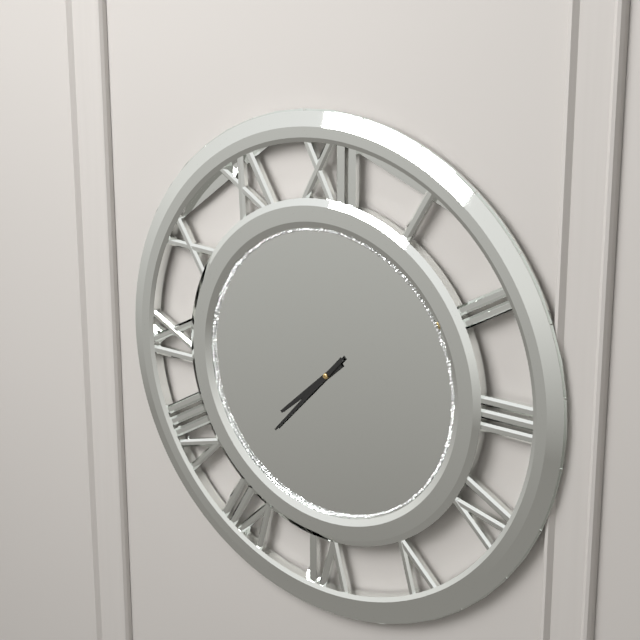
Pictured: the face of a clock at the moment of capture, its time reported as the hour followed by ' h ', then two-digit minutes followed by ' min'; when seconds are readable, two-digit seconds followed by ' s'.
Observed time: 7 h 37 min
